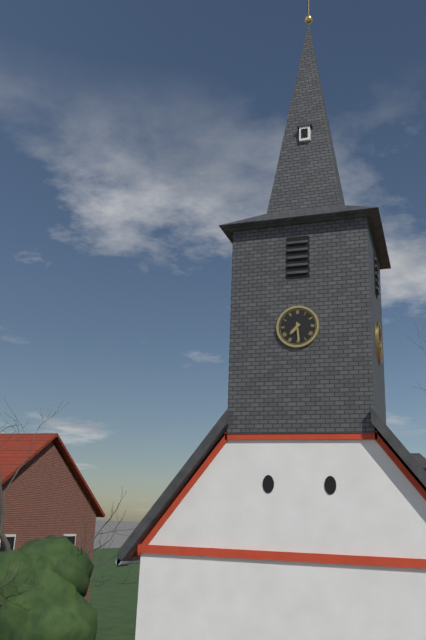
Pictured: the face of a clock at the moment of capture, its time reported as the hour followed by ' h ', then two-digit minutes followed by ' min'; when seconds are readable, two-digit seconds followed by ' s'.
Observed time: 7 h 29 min
